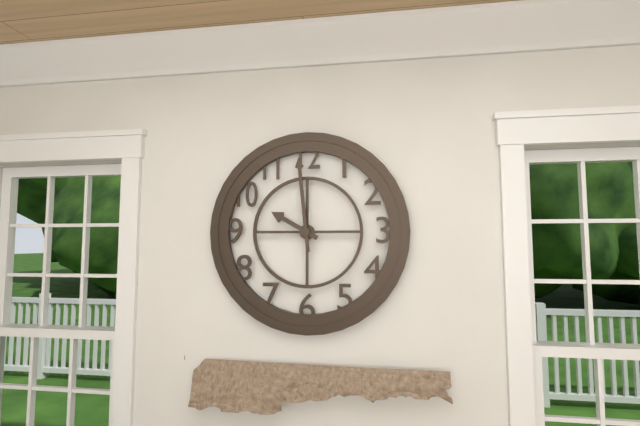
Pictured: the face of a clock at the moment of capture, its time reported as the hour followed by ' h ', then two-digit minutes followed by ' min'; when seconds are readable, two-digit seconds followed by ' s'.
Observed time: 9 h 59 min
